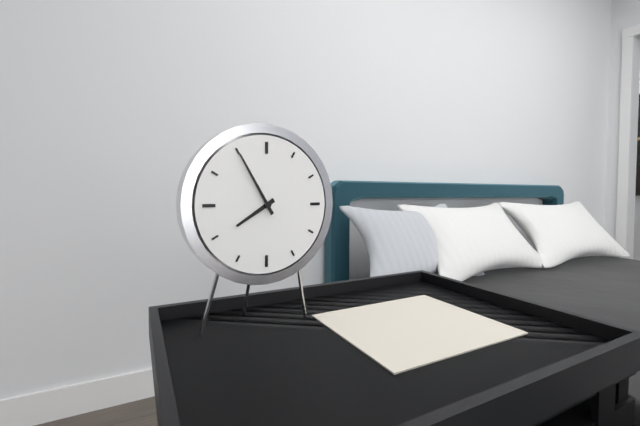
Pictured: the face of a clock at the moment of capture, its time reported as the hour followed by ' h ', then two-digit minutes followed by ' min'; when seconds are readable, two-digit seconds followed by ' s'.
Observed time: 7 h 55 min
